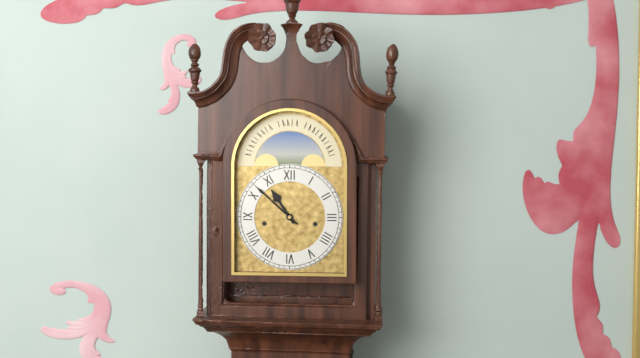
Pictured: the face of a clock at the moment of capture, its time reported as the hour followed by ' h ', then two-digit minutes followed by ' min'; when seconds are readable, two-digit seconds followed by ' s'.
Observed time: 10 h 52 min
